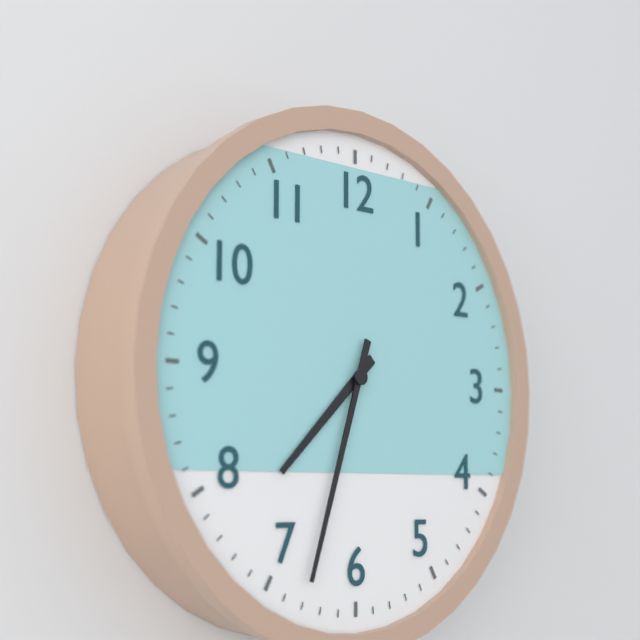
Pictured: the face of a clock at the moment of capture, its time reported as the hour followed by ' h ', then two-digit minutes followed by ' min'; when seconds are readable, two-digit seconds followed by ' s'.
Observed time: 7 h 33 min
